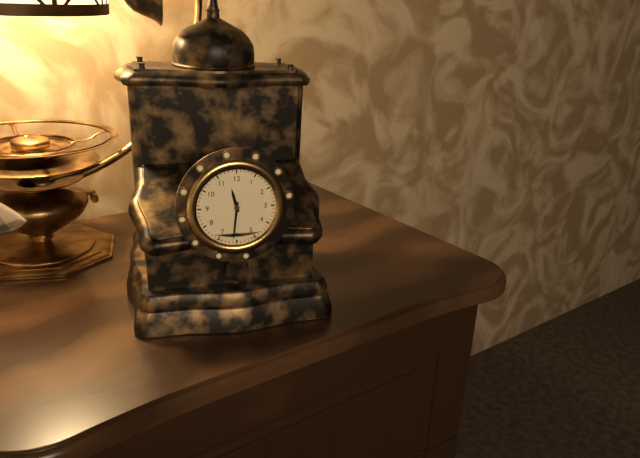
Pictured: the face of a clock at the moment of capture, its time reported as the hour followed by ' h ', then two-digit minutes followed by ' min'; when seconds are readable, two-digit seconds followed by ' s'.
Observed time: 11 h 31 min
